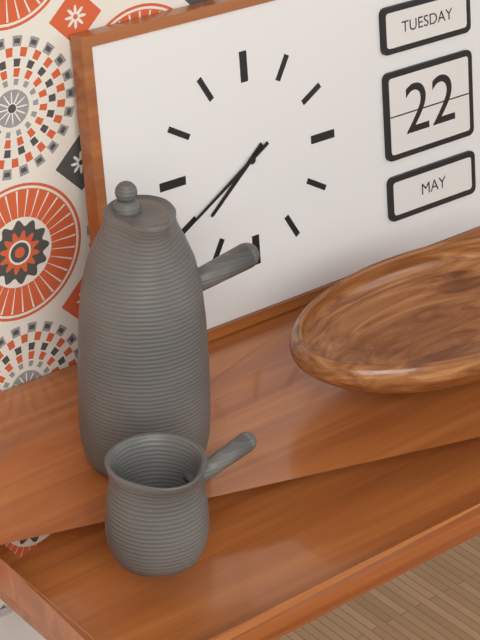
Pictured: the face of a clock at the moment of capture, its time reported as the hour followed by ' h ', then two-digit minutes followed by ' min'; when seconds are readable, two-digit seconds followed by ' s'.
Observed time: 7 h 40 min
